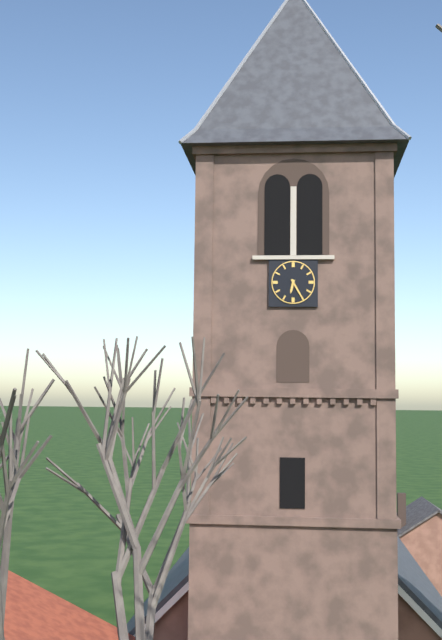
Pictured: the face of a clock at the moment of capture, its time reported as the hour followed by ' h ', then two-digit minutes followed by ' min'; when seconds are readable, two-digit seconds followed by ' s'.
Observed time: 6 h 25 min
